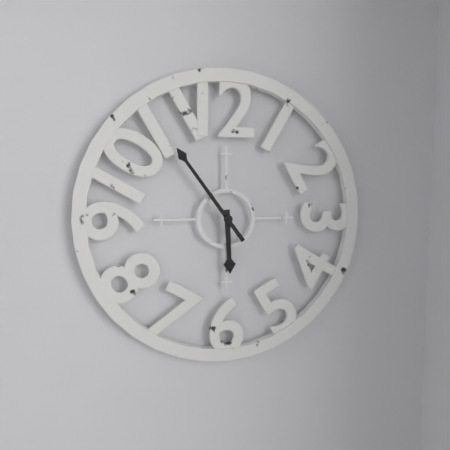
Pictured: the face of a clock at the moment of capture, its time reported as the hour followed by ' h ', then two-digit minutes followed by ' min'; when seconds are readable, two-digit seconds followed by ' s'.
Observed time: 5 h 54 min
